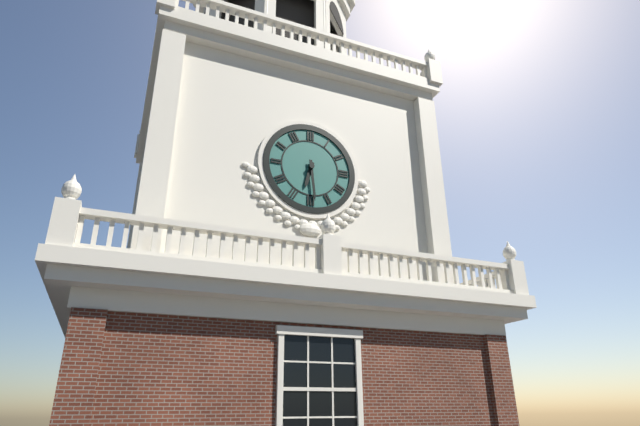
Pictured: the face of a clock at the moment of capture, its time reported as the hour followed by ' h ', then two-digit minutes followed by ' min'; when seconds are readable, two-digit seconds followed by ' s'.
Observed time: 6 h 29 min
